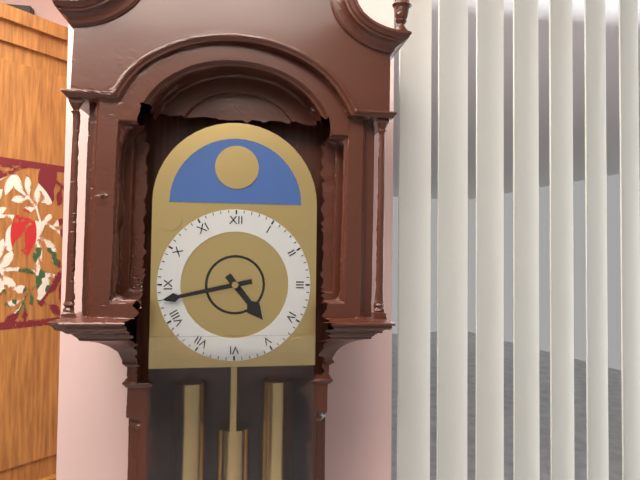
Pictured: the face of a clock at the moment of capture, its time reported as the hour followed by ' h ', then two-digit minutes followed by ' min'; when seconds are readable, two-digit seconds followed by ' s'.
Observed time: 4 h 43 min
